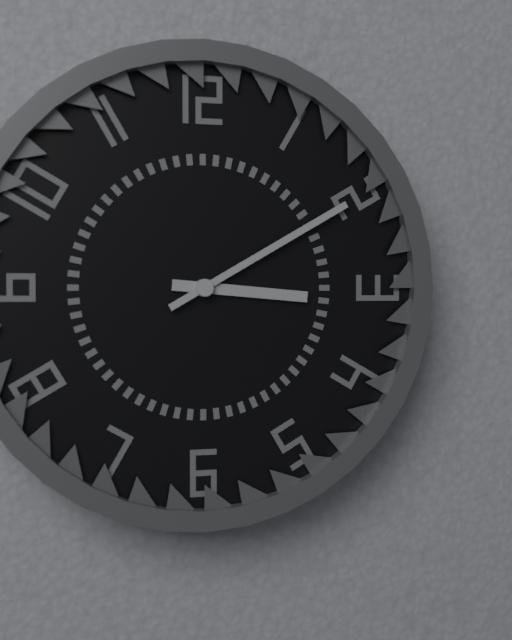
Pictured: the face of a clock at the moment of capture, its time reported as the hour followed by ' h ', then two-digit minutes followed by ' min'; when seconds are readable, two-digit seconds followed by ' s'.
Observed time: 3 h 10 min
